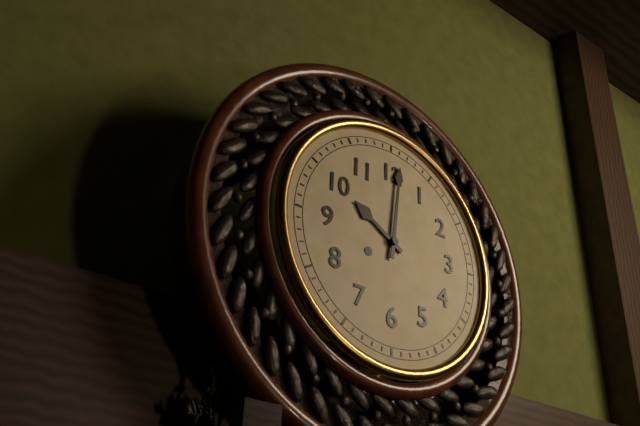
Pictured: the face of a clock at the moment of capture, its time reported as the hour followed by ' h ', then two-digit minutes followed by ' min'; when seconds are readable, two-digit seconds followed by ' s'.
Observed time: 10 h 01 min
